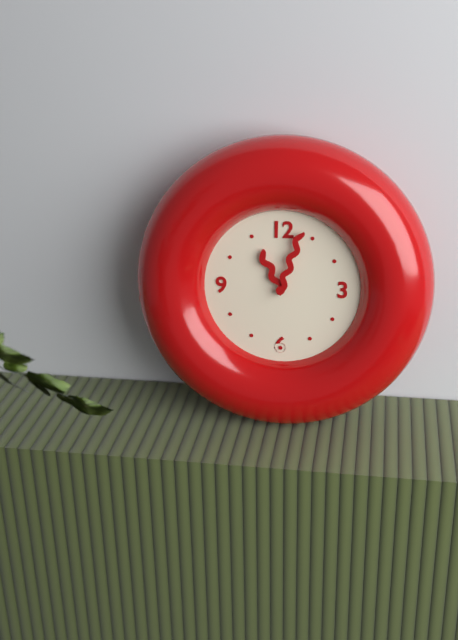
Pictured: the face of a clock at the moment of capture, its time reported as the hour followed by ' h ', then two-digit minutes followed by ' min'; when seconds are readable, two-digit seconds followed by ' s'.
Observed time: 11 h 03 min
